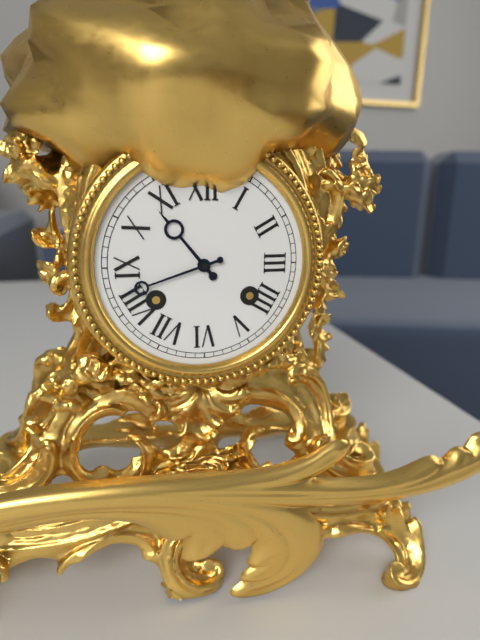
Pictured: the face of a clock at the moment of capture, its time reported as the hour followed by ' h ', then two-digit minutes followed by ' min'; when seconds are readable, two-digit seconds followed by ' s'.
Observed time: 10 h 42 min
